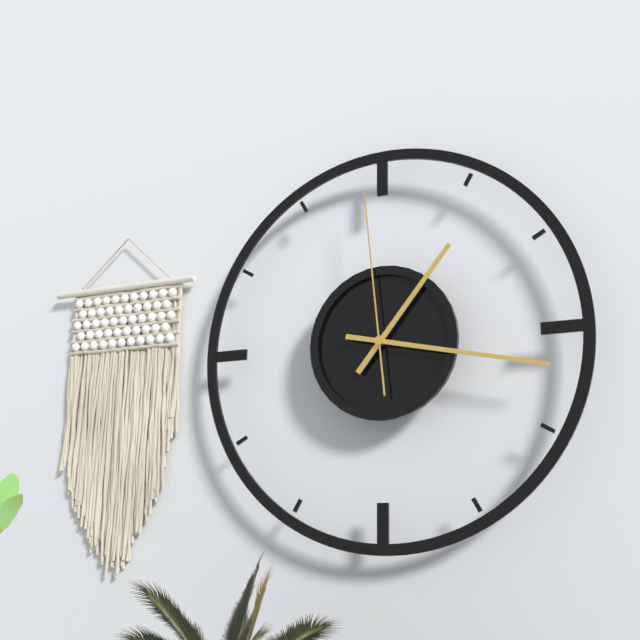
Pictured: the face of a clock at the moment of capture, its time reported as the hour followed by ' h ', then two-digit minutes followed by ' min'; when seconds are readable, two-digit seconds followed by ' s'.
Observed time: 1 h 17 min 59 s
